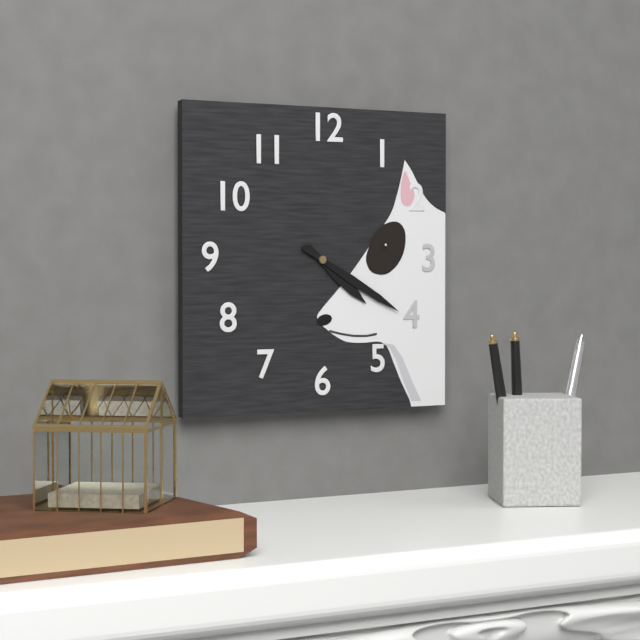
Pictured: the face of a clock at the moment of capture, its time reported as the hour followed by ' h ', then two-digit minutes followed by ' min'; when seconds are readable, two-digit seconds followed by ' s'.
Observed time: 4 h 20 min
